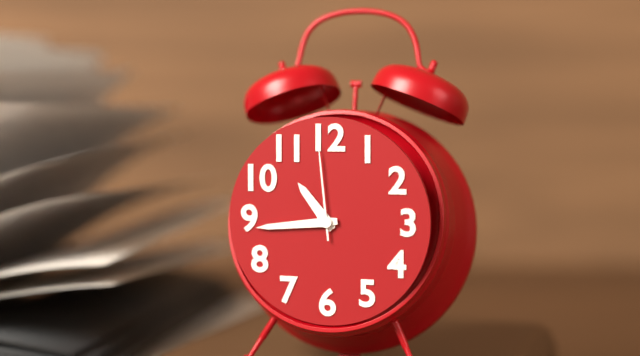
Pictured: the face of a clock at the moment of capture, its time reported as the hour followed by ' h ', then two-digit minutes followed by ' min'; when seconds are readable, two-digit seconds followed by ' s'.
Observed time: 10 h 44 min 59 s
